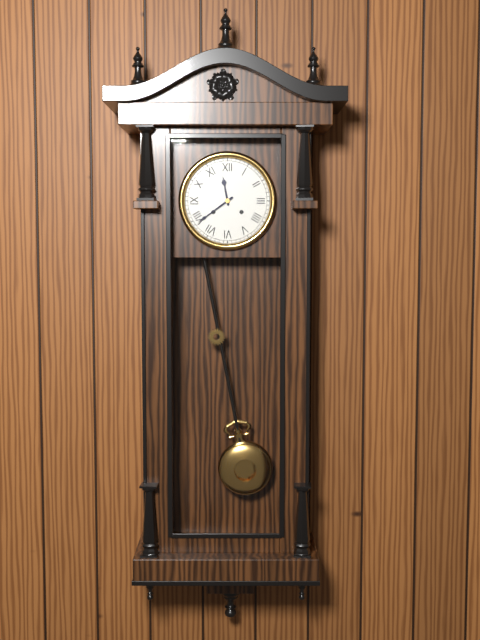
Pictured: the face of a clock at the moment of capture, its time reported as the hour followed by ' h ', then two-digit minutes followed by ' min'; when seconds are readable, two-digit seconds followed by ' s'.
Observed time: 11 h 39 min
